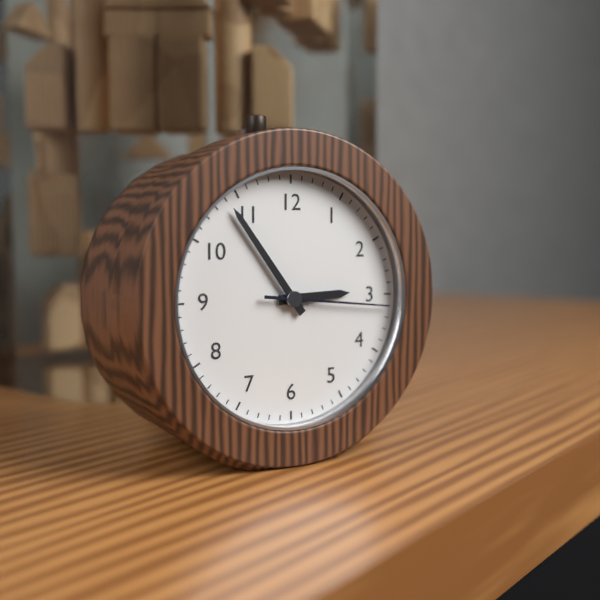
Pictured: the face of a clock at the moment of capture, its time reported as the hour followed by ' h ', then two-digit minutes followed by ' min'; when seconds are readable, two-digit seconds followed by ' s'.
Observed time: 2 h 54 min 16 s
